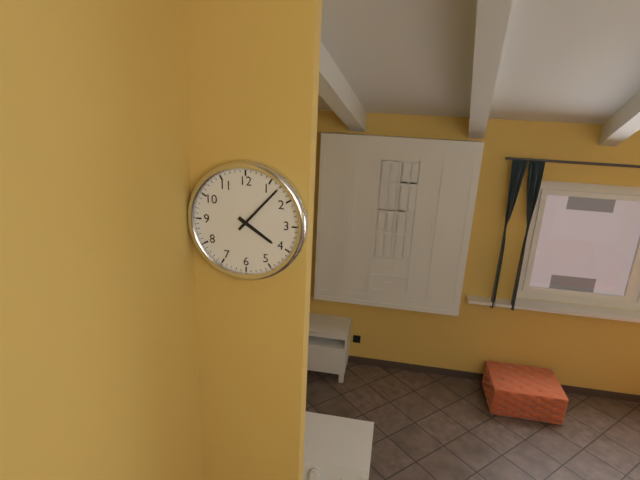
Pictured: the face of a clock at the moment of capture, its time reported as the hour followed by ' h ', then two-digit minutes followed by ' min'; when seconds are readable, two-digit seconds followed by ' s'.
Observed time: 4 h 07 min
